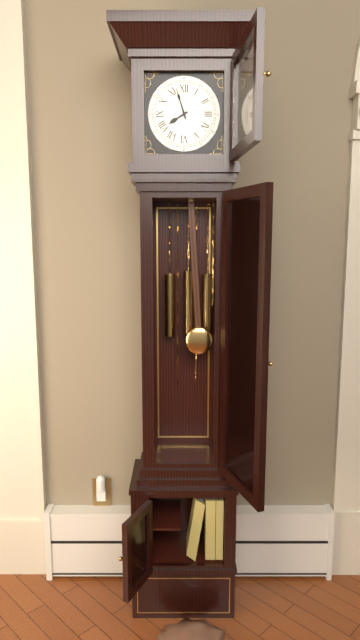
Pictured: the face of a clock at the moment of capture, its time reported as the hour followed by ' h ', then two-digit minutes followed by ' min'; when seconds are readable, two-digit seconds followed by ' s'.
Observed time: 7 h 57 min
